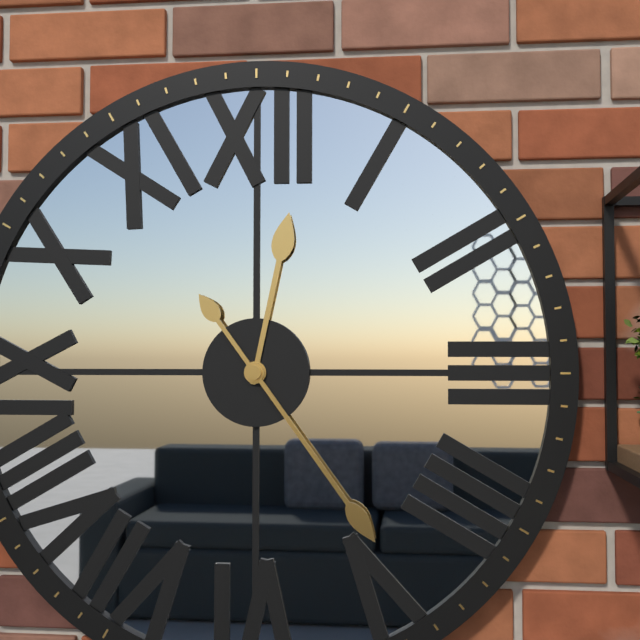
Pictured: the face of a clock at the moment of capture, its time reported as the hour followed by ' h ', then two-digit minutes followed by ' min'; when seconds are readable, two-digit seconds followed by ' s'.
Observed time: 12 h 24 min
